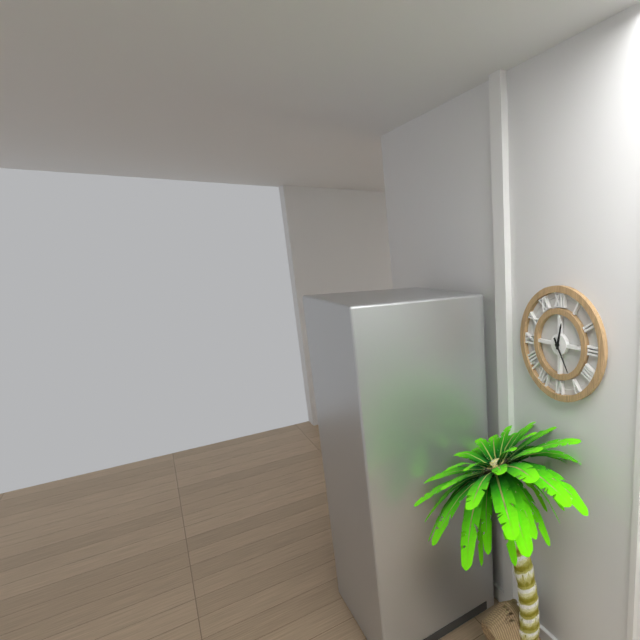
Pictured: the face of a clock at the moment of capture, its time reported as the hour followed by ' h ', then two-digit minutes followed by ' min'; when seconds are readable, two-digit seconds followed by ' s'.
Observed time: 12 h 25 min
